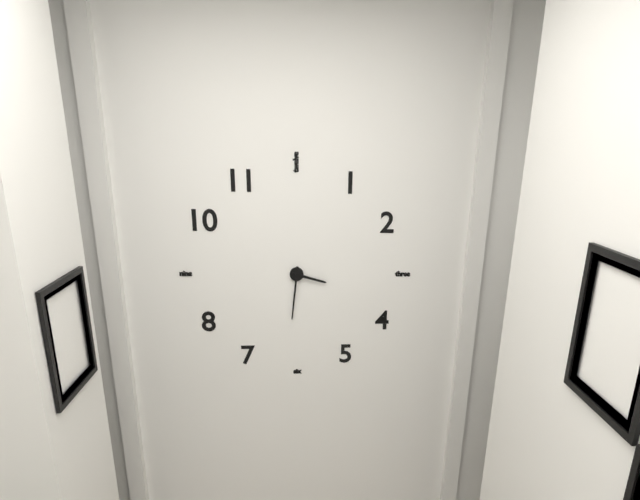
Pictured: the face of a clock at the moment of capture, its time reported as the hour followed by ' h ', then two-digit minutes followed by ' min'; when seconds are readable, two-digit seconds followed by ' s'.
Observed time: 3 h 31 min
